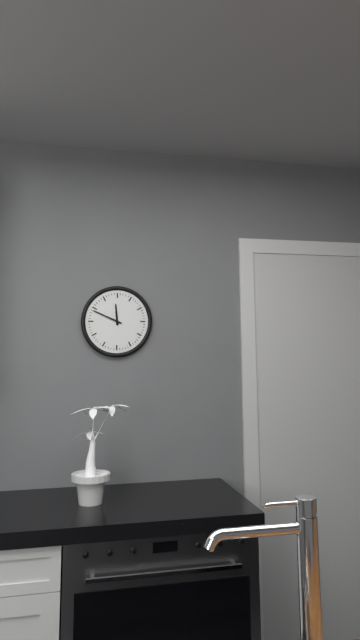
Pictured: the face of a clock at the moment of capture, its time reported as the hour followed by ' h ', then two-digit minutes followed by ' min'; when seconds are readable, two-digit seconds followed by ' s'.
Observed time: 11 h 49 min
